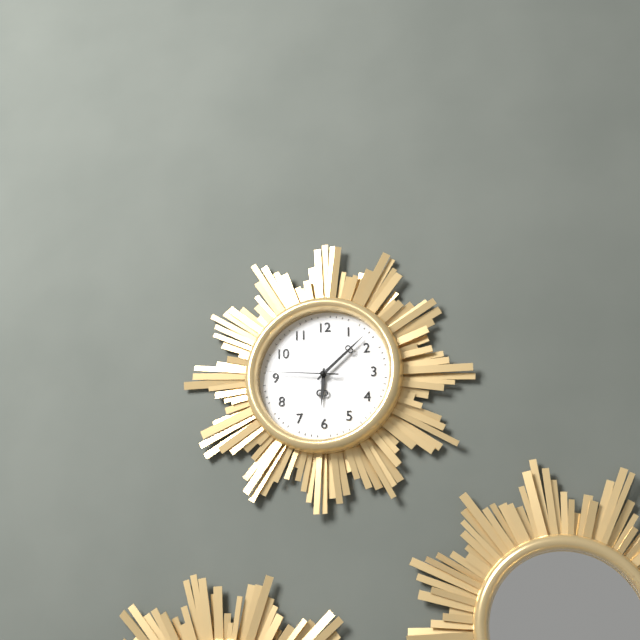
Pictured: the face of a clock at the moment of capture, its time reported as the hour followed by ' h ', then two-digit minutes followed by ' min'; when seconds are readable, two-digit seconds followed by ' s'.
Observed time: 6 h 08 min 46 s
